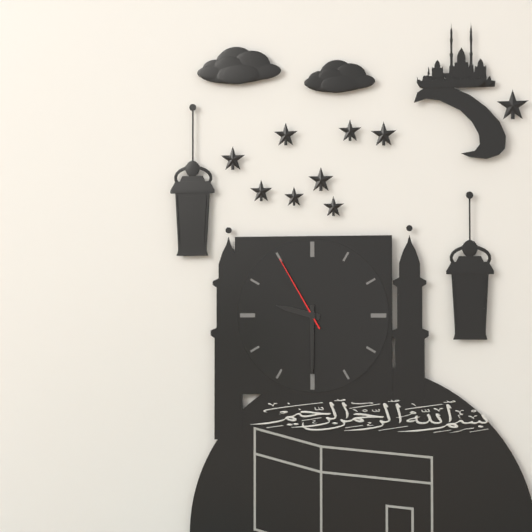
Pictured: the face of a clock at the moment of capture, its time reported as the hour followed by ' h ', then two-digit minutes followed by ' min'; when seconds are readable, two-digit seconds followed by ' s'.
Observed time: 9 h 30 min 55 s
